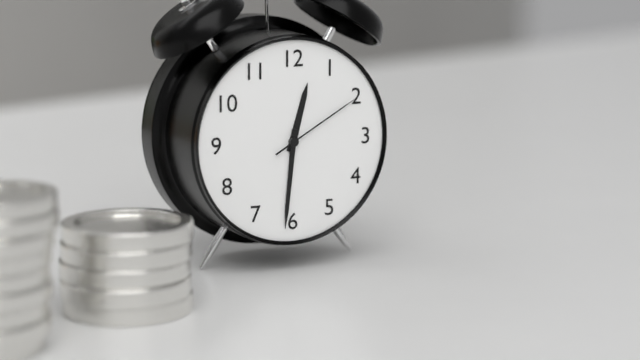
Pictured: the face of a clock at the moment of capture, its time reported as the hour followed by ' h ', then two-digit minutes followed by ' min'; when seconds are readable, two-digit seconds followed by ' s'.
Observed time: 12 h 31 min 10 s
